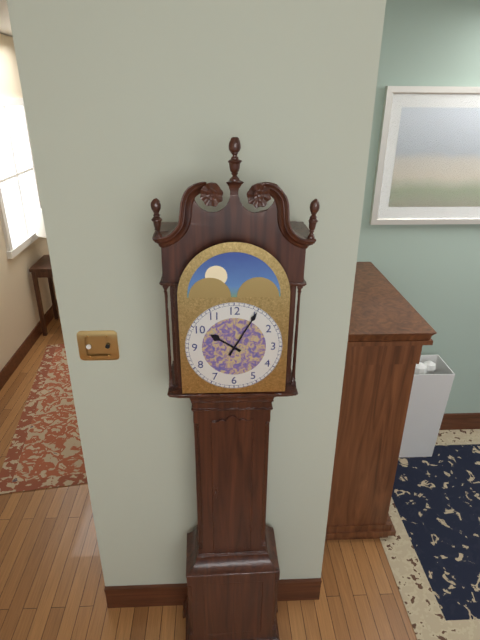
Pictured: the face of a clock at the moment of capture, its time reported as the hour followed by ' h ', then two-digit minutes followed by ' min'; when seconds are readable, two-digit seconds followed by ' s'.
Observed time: 10 h 05 min
